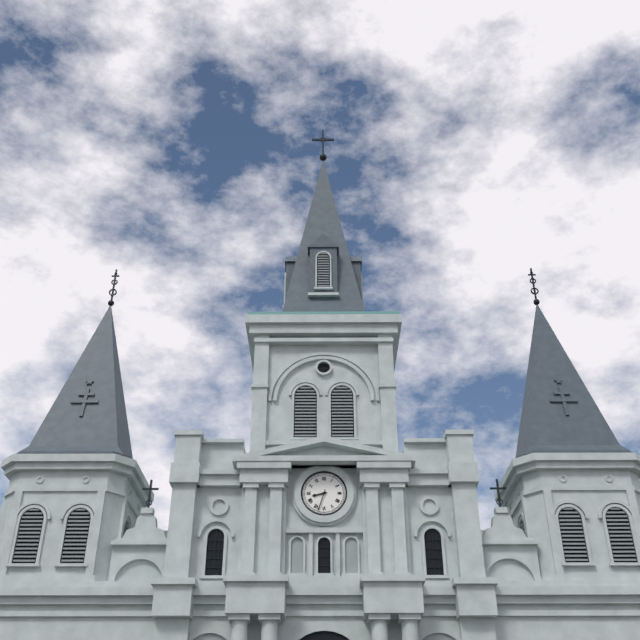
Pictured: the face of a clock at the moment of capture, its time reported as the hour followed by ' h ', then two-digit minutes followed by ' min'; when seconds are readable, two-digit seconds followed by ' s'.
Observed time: 8 h 33 min
